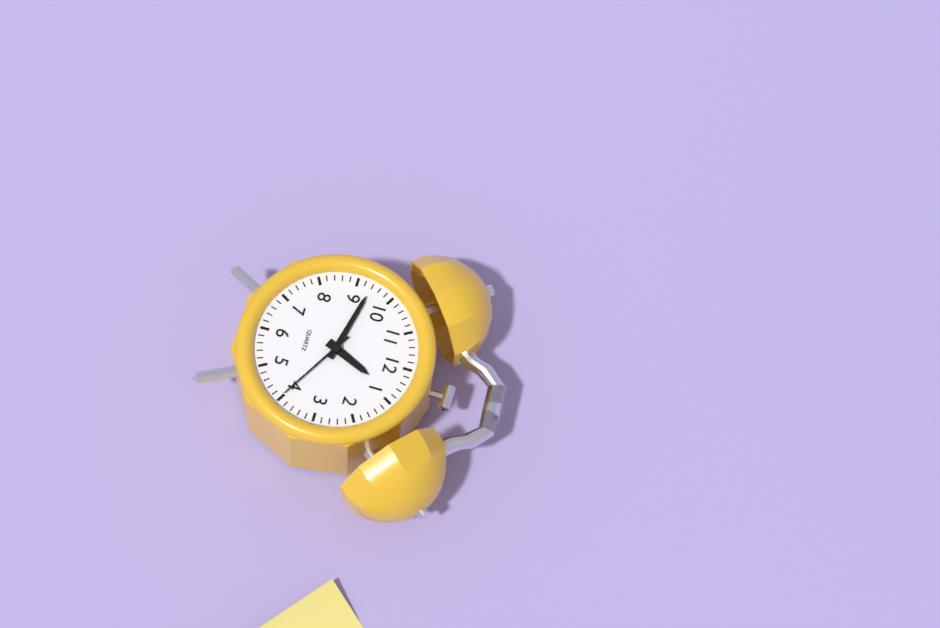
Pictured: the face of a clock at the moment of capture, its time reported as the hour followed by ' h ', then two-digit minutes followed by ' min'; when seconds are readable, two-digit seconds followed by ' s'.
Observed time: 12 h 47 min 20 s
